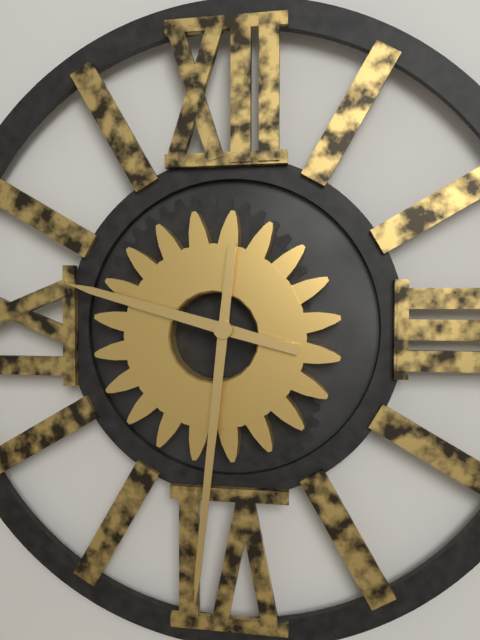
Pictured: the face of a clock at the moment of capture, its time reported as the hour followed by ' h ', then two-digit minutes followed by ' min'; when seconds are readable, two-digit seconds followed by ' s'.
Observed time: 9 h 31 min
